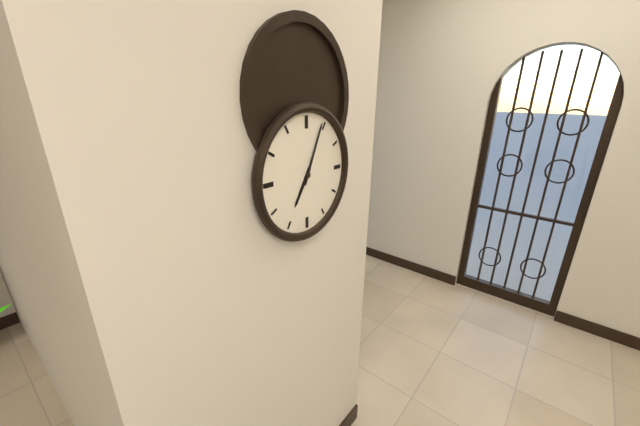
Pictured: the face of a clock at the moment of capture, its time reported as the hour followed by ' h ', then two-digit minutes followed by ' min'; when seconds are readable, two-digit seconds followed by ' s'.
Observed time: 7 h 04 min
